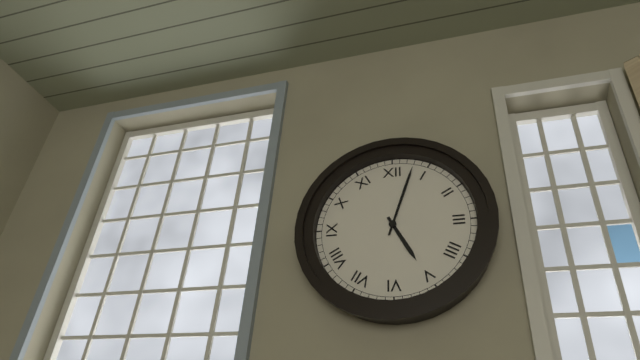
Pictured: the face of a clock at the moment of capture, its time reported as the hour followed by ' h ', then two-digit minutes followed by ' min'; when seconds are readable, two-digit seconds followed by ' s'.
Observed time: 5 h 03 min
